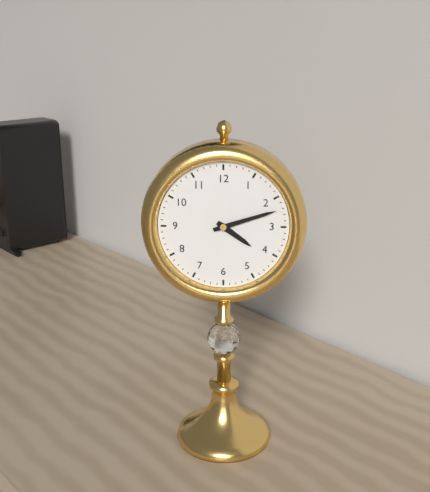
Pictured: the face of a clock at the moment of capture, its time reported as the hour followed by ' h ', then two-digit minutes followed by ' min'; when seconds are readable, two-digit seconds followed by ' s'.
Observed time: 4 h 12 min
